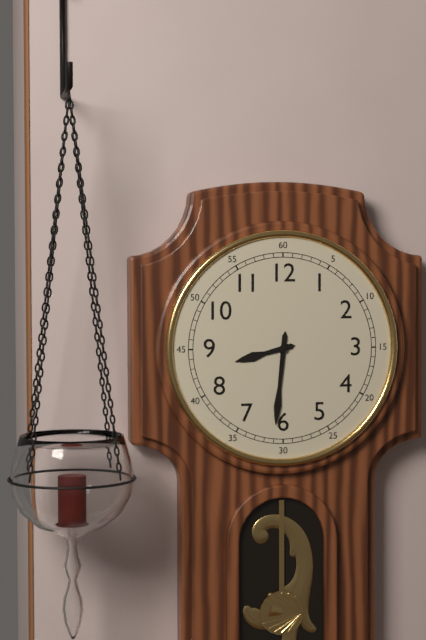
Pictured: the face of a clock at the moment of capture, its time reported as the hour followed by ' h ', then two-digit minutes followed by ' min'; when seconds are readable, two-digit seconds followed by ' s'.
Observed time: 8 h 31 min
